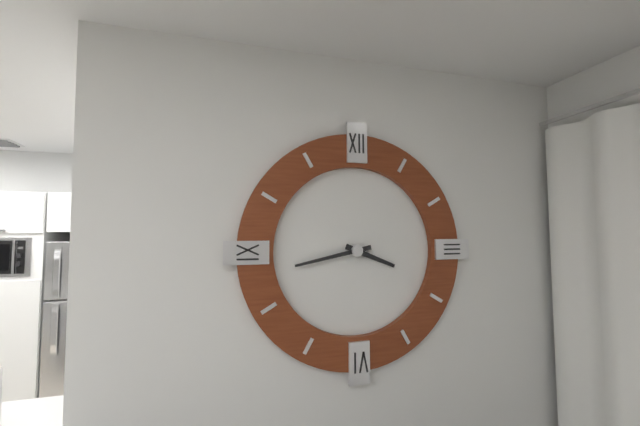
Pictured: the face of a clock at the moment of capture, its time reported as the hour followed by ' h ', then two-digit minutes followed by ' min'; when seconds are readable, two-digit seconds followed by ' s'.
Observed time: 3 h 43 min
